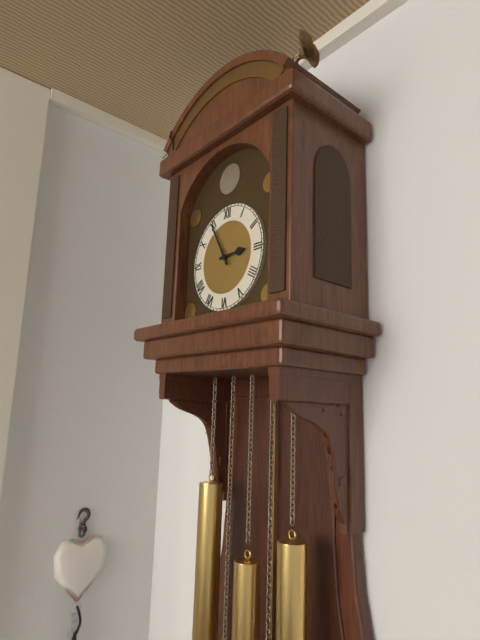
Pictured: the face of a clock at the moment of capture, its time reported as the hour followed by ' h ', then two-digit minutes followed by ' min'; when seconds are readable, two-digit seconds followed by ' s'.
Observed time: 2 h 55 min
